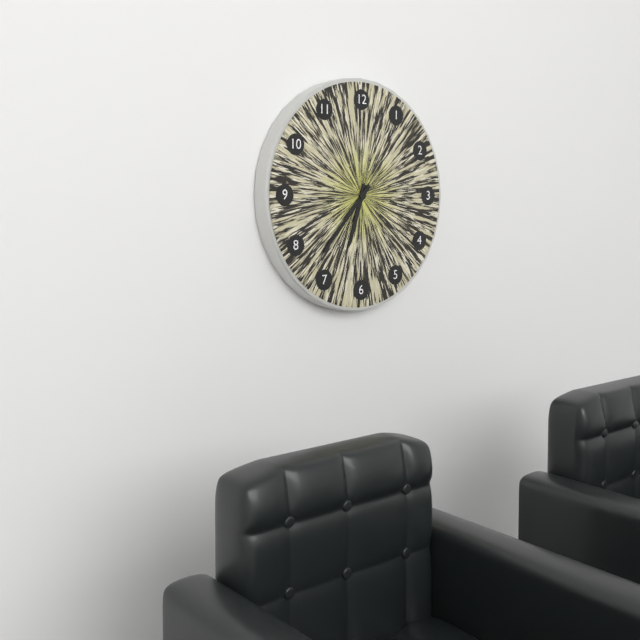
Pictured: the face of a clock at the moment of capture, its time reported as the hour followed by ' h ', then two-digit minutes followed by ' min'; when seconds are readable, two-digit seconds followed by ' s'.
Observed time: 6 h 37 min
